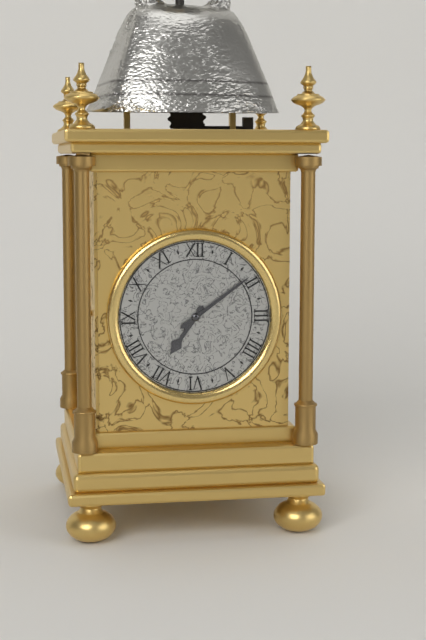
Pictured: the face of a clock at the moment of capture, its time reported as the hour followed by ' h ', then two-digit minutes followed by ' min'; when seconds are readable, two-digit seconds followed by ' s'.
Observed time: 7 h 09 min
